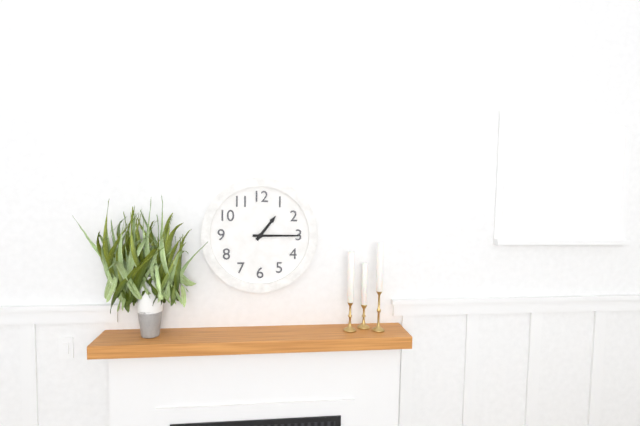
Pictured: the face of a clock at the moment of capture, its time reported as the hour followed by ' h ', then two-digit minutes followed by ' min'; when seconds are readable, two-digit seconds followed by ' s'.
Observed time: 1 h 15 min
